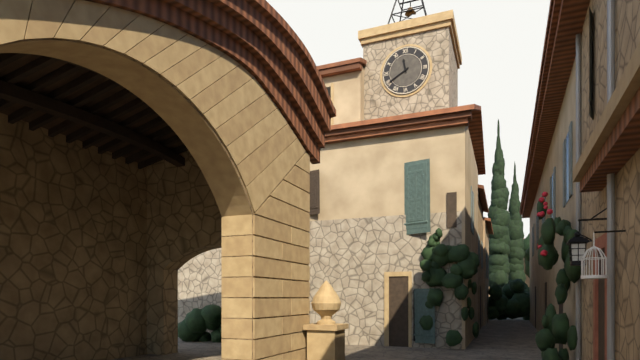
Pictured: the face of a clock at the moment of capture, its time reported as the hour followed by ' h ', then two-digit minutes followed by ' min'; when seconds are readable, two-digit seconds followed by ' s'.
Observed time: 11 h 40 min
